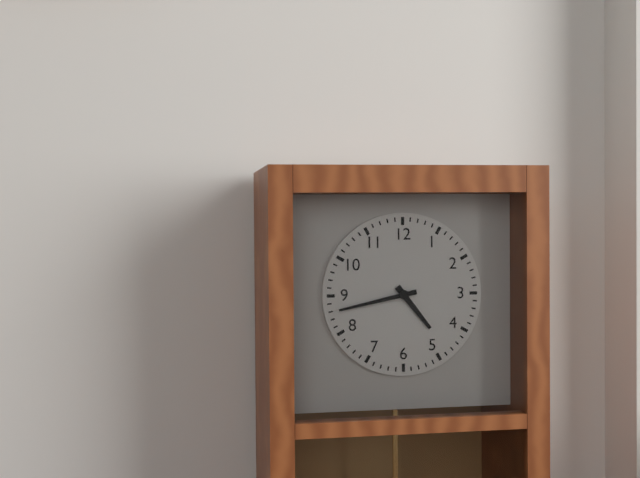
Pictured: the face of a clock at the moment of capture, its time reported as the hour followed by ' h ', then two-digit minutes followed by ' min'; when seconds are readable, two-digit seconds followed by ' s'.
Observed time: 4 h 43 min
